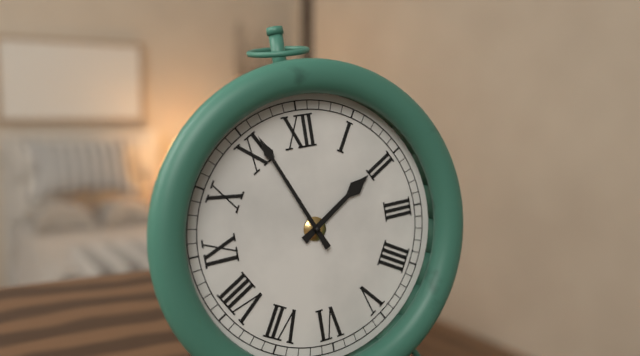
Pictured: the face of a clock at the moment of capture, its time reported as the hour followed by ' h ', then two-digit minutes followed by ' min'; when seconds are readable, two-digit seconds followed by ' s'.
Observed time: 1 h 56 min
